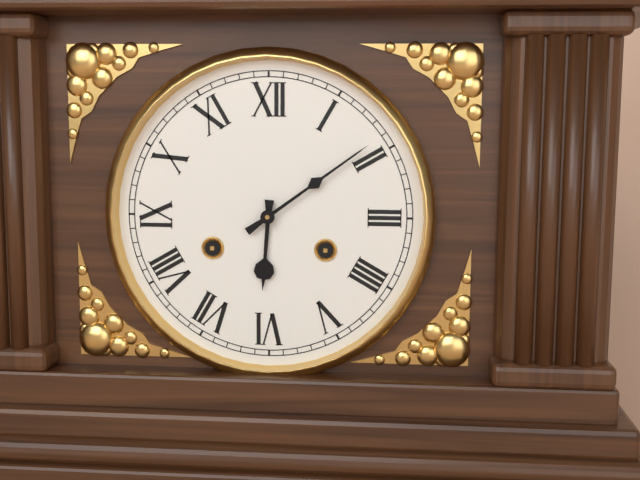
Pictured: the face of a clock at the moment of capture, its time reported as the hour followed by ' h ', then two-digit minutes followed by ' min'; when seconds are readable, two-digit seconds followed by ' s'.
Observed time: 6 h 09 min
